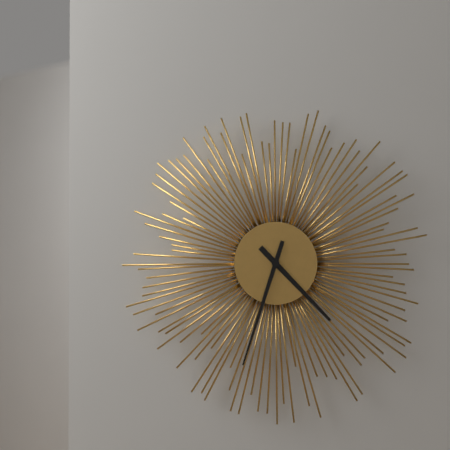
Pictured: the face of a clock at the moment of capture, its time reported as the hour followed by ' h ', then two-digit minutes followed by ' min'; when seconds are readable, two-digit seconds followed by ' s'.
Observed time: 4 h 33 min
